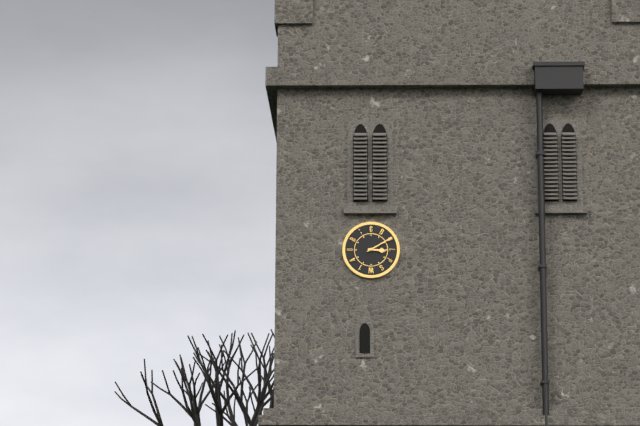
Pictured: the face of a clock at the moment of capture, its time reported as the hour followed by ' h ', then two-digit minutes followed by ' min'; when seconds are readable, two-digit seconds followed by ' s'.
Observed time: 3 h 10 min
